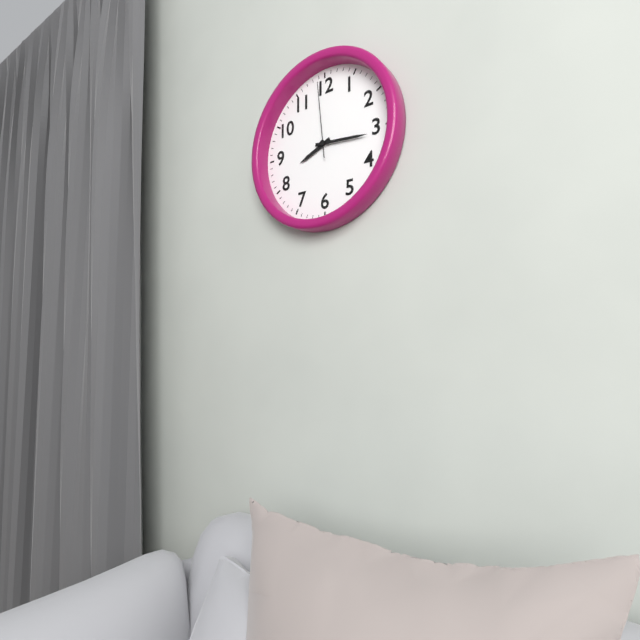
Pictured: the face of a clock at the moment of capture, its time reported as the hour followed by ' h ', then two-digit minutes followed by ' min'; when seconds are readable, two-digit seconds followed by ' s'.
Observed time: 8 h 16 min 59 s
